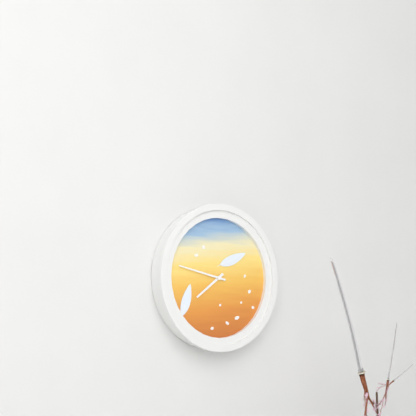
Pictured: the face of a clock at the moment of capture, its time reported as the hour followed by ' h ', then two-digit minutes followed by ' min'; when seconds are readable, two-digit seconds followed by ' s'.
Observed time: 7 h 47 min
